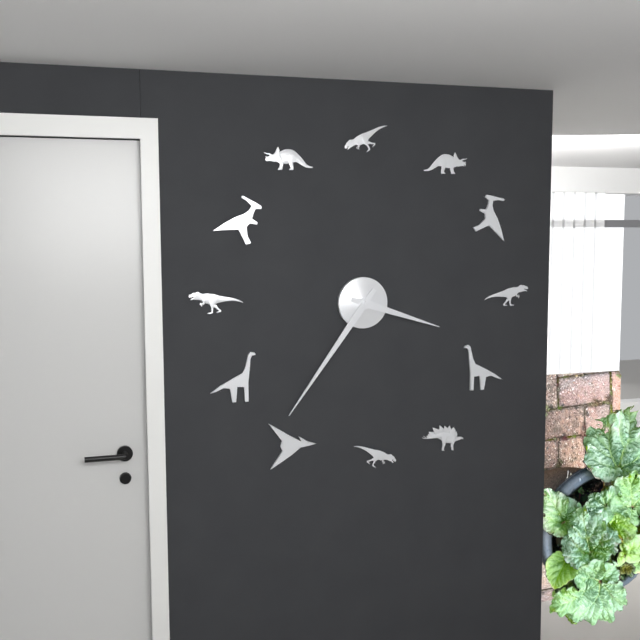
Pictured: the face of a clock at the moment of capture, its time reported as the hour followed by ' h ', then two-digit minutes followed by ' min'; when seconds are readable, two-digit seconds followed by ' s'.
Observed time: 3 h 36 min
